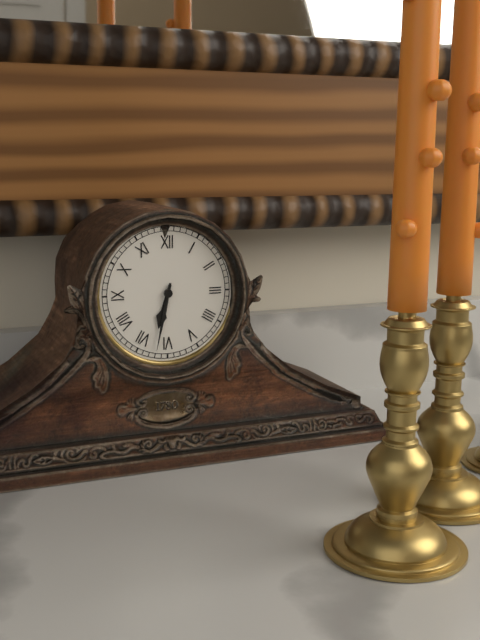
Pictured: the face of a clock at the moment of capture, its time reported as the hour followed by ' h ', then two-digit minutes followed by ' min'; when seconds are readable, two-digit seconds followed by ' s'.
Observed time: 6 h 32 min
